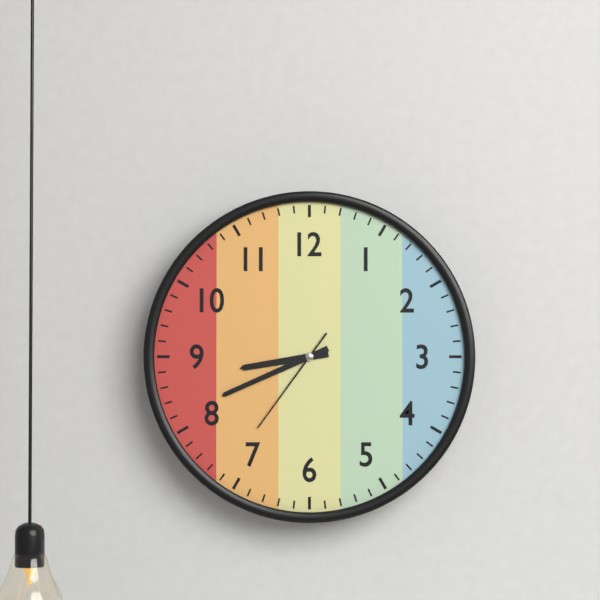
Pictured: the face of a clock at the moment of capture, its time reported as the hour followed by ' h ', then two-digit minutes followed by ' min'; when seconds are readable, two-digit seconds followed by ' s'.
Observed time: 8 h 41 min 36 s
